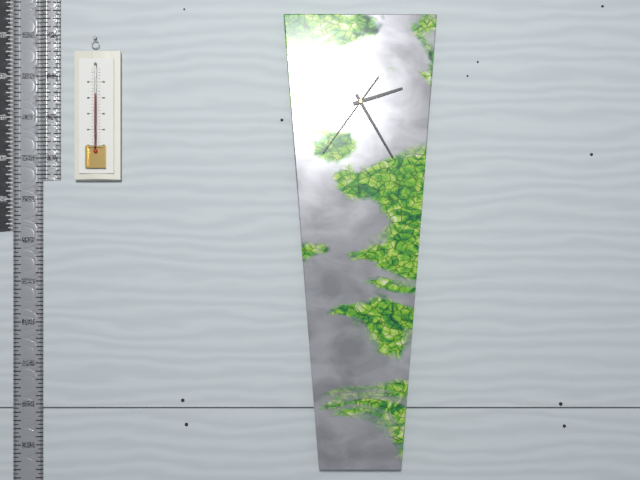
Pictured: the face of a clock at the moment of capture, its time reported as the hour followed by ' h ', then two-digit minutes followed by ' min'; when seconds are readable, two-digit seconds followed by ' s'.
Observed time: 2 h 25 min 36 s
